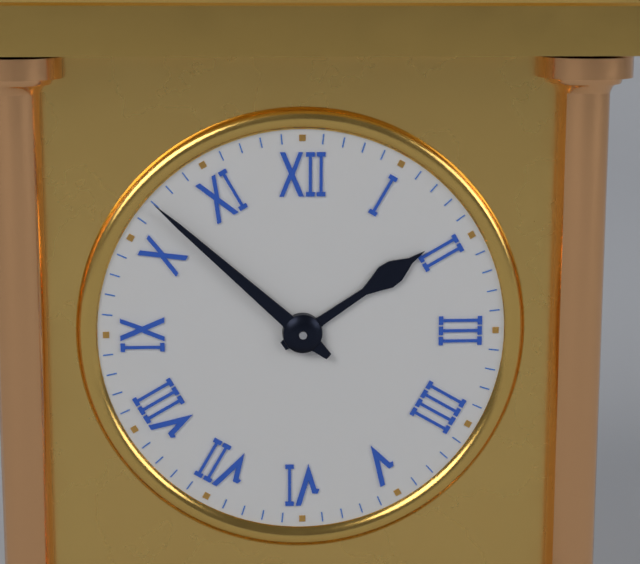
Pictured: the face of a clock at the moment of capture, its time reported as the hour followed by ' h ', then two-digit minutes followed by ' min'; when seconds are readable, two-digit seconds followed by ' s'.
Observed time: 1 h 52 min
